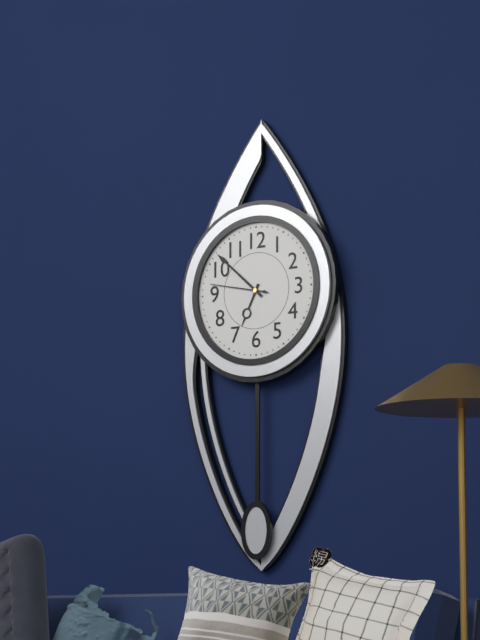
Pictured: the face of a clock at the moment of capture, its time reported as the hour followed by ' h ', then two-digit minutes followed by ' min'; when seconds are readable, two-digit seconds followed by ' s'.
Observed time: 6 h 52 min 47 s
